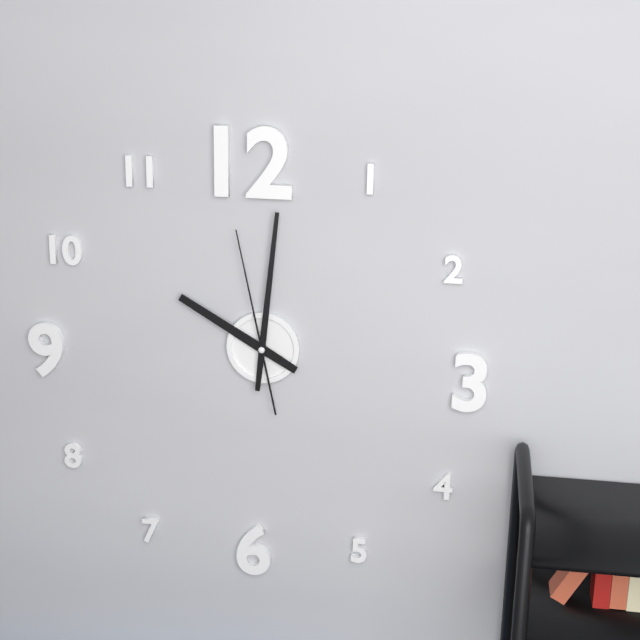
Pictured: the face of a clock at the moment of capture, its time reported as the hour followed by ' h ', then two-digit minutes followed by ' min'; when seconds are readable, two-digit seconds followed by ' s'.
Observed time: 10 h 01 min 58 s
